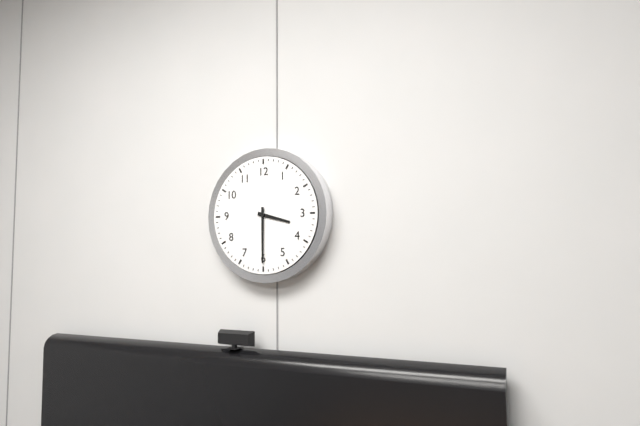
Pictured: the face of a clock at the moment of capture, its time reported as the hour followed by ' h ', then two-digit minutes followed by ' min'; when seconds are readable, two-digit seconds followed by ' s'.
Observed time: 3 h 30 min
